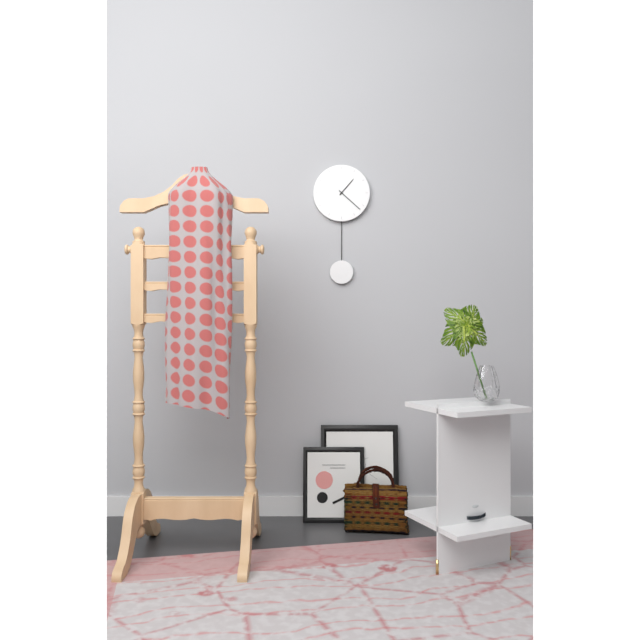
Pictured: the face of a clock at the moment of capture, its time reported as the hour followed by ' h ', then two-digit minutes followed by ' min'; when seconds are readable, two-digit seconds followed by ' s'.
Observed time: 1 h 22 min
